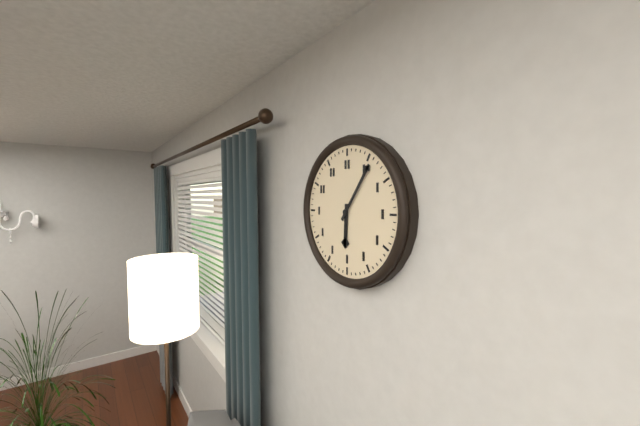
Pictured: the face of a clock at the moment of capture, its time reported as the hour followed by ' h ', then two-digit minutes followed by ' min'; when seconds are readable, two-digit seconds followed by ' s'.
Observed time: 6 h 06 min
